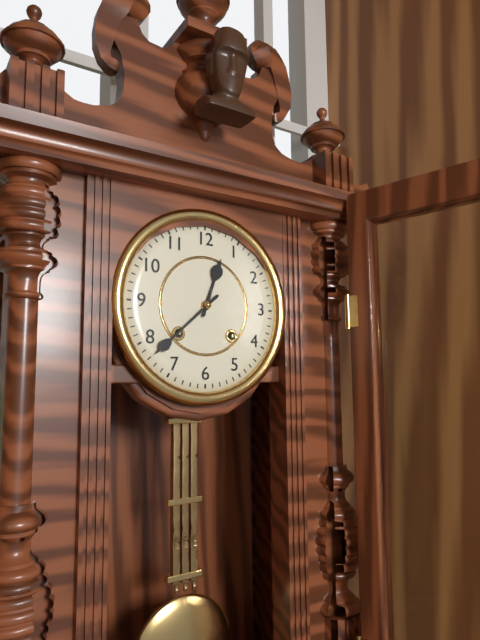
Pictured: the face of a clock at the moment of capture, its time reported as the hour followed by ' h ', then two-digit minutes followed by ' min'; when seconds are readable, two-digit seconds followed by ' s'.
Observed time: 12 h 38 min
